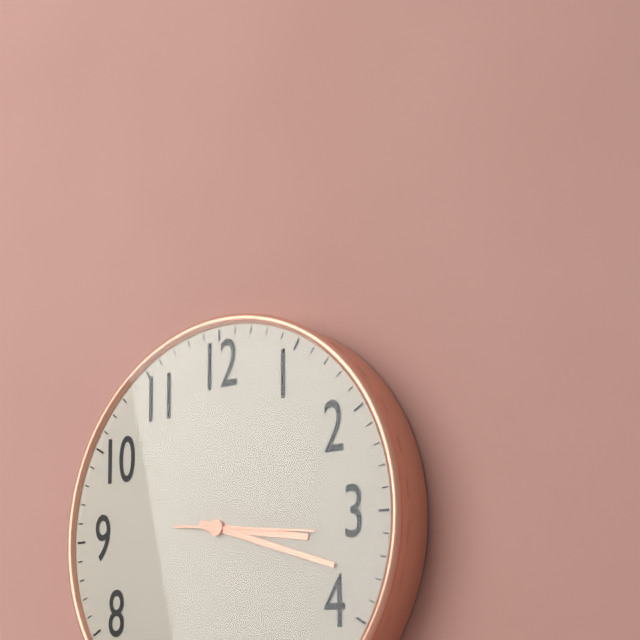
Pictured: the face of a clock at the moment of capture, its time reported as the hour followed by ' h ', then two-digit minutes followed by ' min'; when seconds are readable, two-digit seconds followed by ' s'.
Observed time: 3 h 18 min 16 s
